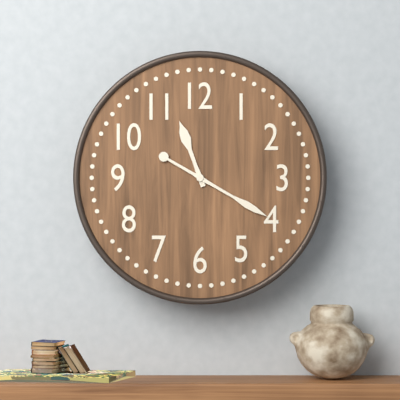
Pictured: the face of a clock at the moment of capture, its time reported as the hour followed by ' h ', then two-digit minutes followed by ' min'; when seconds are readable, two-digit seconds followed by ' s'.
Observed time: 11 h 20 min
